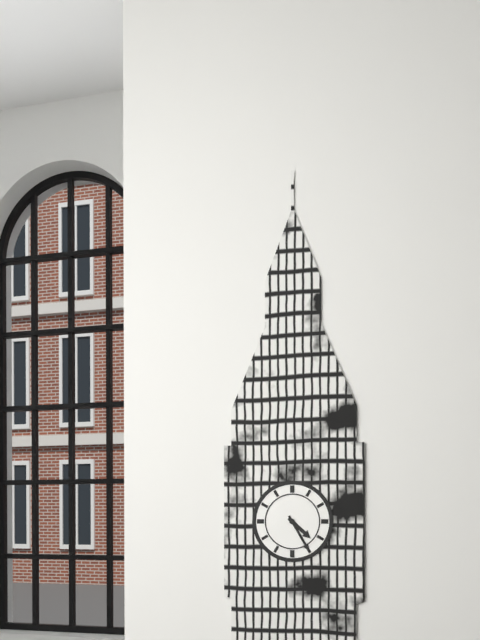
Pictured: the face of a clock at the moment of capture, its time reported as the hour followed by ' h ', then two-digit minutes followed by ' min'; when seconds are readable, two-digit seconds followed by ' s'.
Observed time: 4 h 25 min
